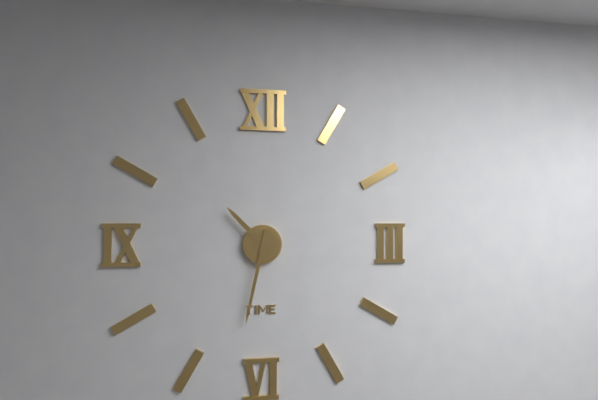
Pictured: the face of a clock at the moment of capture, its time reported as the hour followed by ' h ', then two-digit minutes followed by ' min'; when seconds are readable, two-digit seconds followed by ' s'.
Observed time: 10 h 32 min
